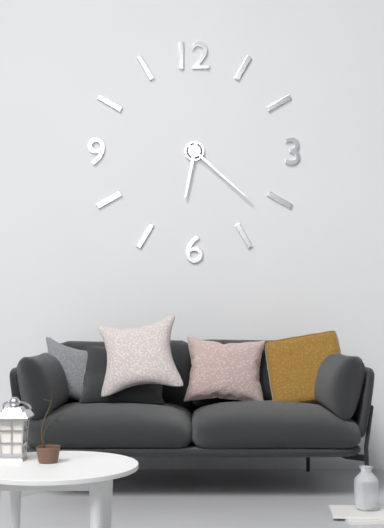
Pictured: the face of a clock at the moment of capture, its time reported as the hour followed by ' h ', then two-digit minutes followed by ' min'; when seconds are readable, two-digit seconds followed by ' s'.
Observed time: 6 h 22 min
